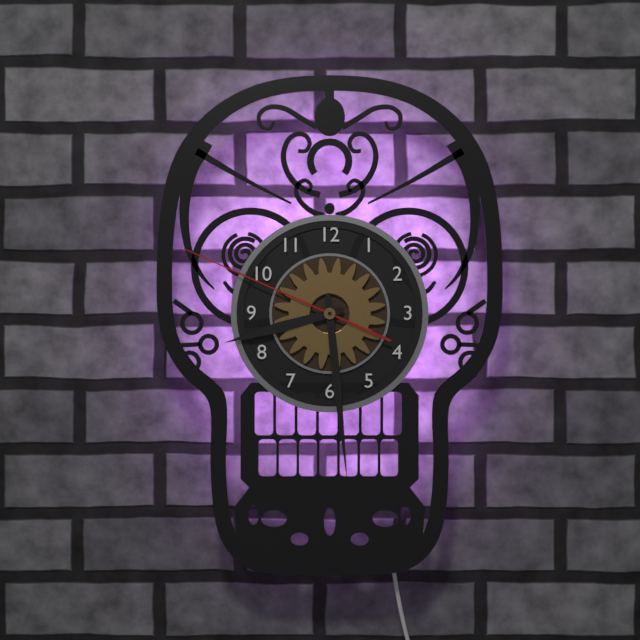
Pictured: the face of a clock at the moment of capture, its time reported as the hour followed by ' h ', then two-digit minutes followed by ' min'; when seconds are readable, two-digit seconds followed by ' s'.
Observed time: 8 h 29 min 49 s
